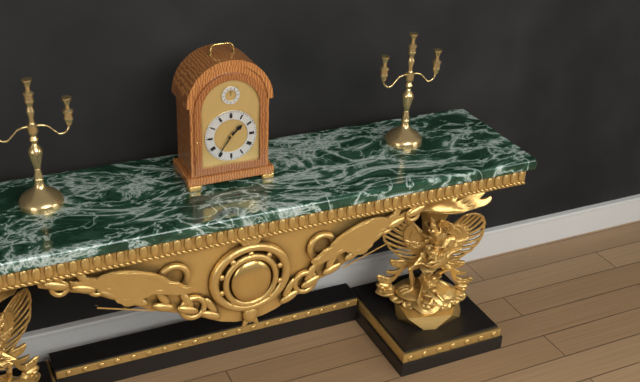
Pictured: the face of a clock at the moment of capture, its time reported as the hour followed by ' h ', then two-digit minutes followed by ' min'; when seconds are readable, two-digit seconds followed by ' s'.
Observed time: 1 h 36 min
